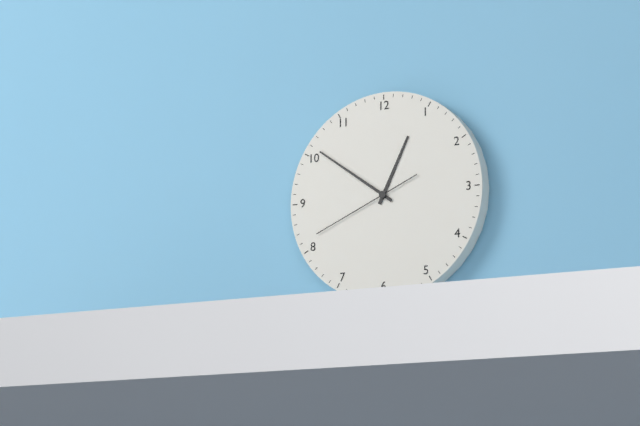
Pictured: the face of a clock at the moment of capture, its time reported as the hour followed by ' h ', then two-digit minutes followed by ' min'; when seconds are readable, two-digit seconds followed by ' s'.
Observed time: 12 h 51 min 41 s
